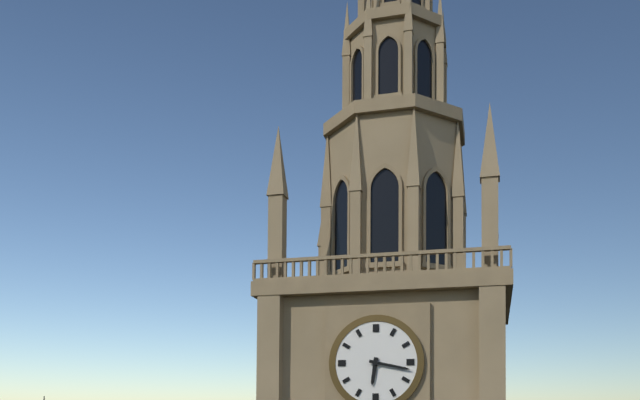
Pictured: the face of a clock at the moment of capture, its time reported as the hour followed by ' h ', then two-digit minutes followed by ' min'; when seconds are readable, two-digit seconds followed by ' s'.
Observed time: 6 h 17 min
